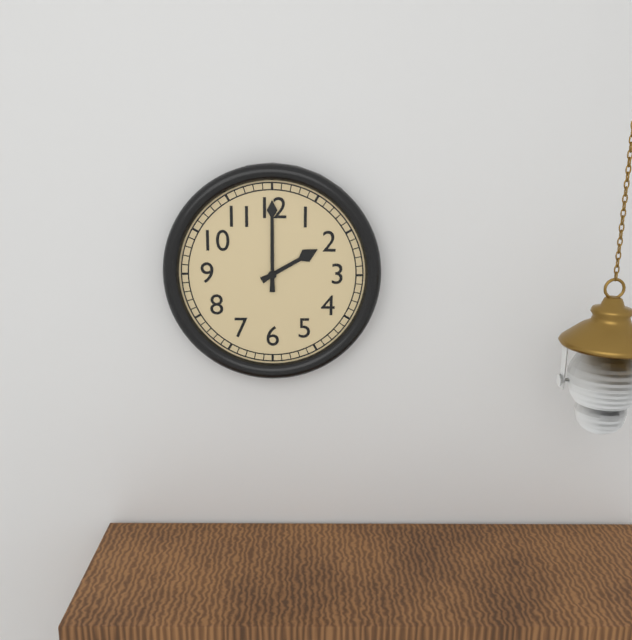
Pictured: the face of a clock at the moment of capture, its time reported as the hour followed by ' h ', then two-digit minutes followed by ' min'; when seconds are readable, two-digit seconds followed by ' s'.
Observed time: 2 h 00 min
